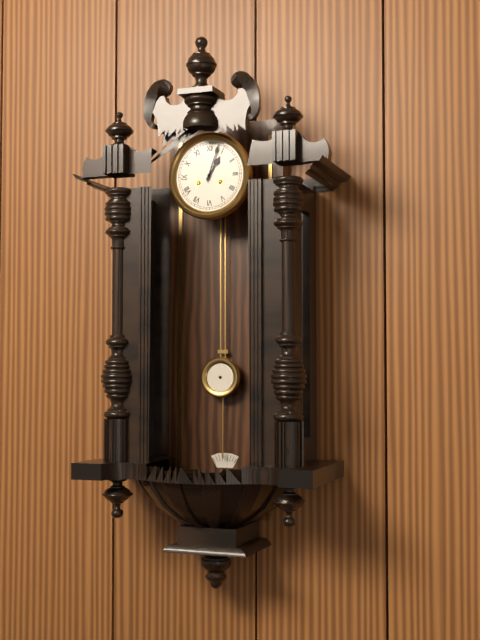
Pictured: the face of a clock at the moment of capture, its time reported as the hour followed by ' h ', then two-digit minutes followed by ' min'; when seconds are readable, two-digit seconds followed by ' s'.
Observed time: 1 h 03 min
